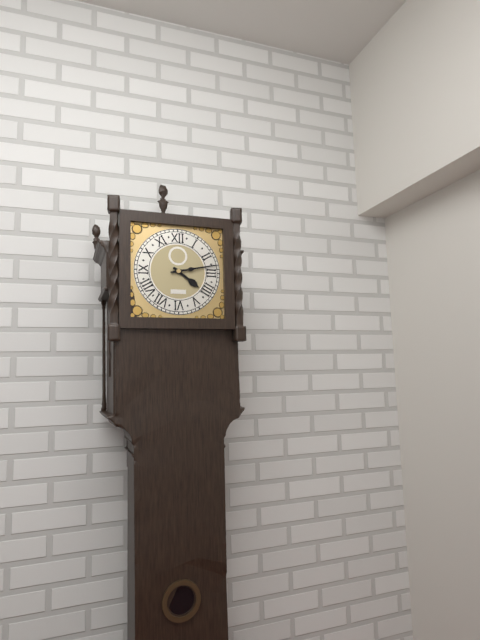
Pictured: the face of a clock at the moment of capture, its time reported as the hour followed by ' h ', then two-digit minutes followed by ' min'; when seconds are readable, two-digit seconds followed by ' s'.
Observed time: 4 h 13 min
